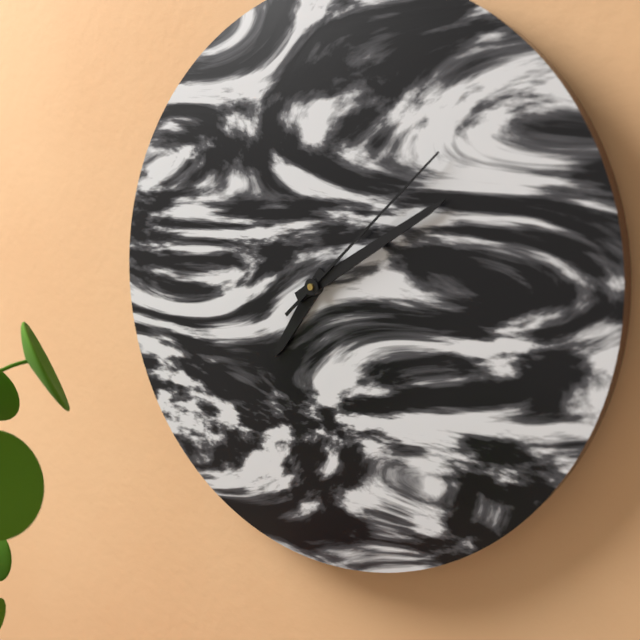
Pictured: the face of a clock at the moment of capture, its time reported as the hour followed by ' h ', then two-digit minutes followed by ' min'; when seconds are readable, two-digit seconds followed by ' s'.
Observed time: 7 h 10 min 08 s
